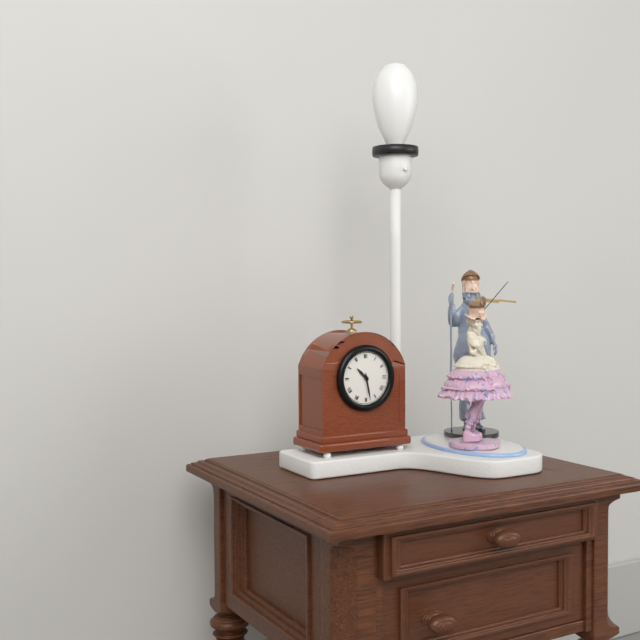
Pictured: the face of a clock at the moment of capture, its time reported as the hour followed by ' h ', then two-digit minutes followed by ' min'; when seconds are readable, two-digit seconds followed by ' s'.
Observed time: 10 h 28 min
